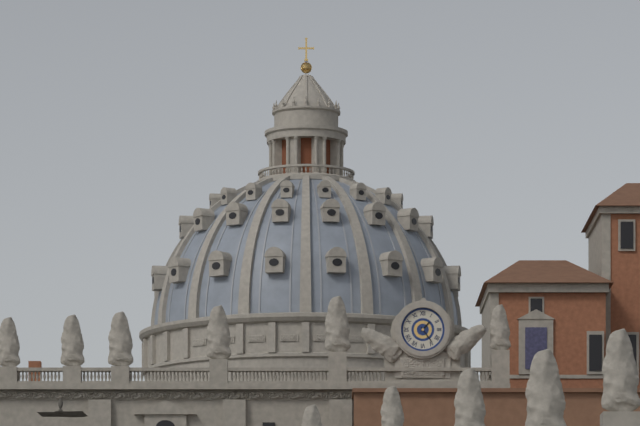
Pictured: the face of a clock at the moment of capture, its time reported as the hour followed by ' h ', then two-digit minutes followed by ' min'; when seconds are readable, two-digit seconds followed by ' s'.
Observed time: 1 h 24 min
